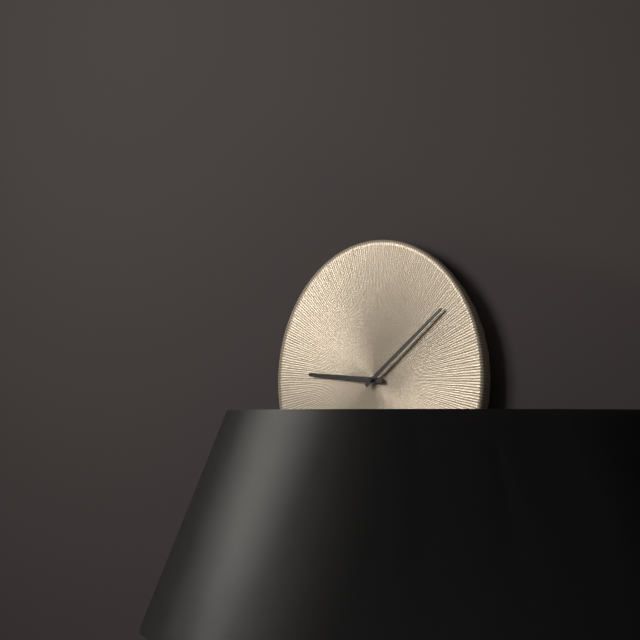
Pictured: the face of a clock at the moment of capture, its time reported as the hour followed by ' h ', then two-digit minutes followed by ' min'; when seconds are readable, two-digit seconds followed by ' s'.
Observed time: 9 h 09 min
